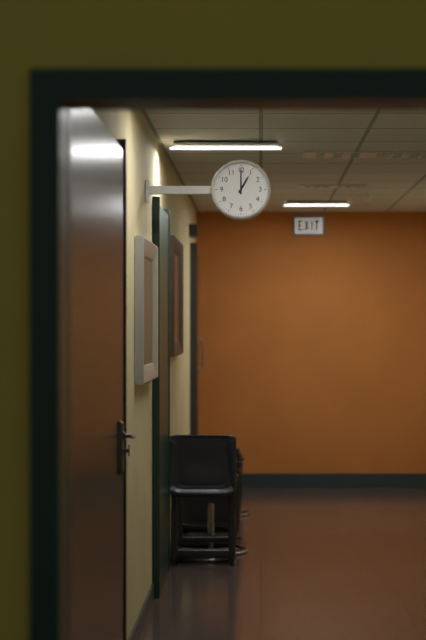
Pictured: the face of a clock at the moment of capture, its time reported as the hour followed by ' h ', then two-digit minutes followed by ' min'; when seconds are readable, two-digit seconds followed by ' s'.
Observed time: 1 h 00 min
